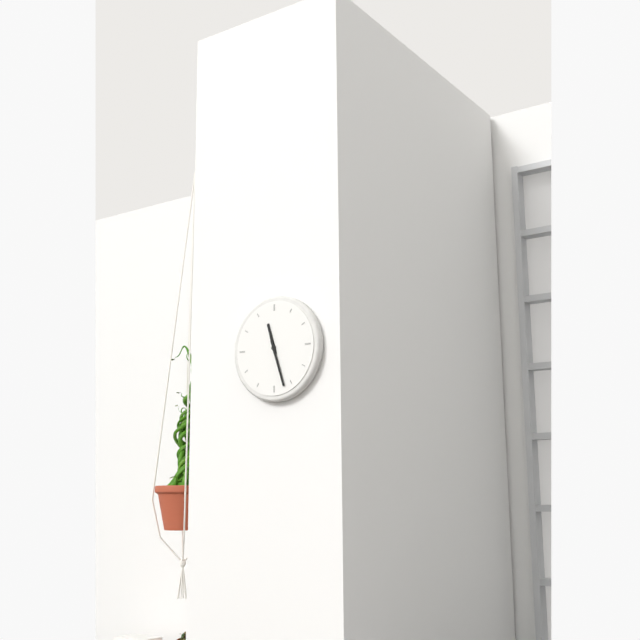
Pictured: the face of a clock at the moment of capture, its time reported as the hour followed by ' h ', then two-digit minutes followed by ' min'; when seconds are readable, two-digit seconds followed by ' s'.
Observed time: 11 h 27 min
